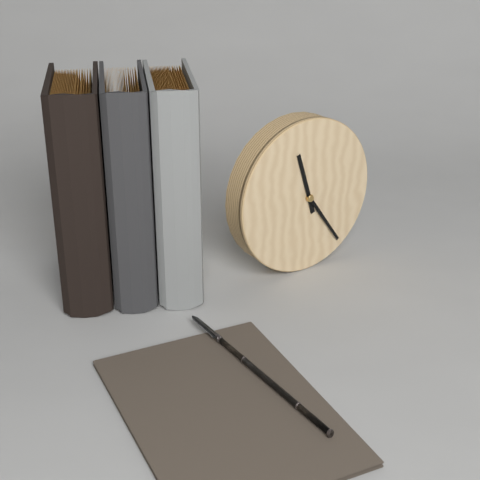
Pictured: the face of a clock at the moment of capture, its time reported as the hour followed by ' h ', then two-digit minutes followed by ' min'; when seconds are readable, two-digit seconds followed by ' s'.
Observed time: 11 h 24 min
